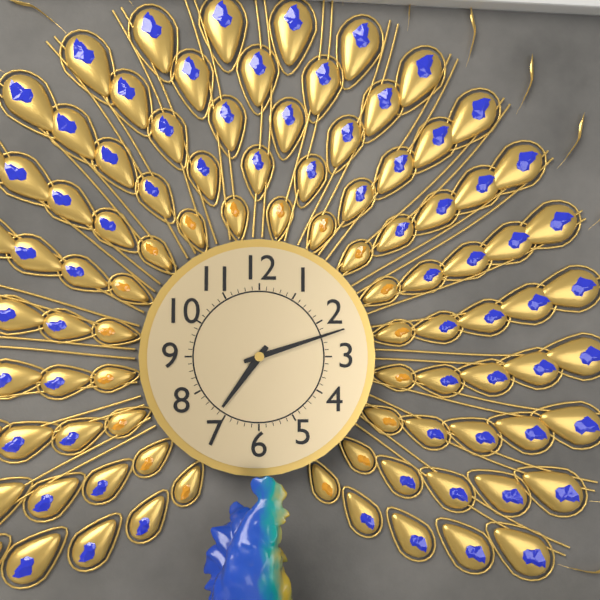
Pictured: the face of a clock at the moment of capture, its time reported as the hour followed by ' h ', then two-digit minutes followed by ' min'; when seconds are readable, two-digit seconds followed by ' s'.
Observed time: 7 h 12 min
